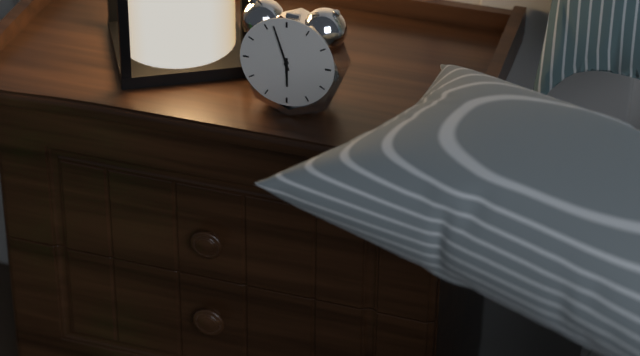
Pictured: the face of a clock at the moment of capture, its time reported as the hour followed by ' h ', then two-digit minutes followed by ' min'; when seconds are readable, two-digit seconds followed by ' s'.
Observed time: 5 h 57 min
